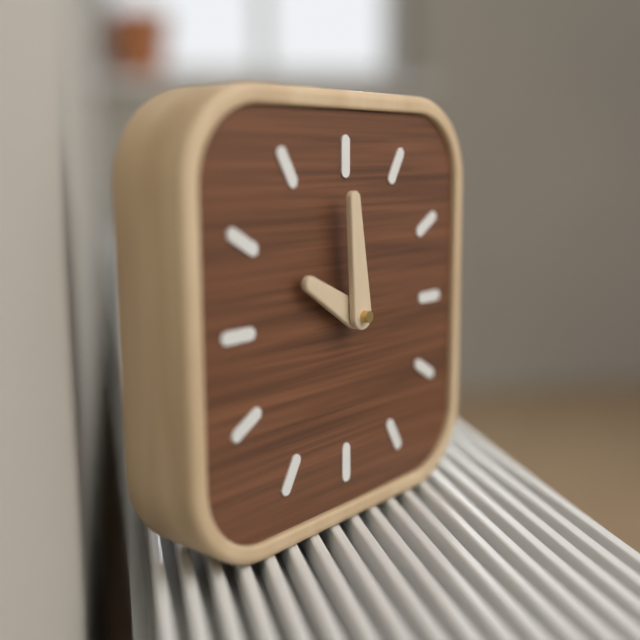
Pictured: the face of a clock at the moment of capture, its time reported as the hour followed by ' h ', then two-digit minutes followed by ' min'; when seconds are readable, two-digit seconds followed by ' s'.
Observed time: 9 h 59 min
